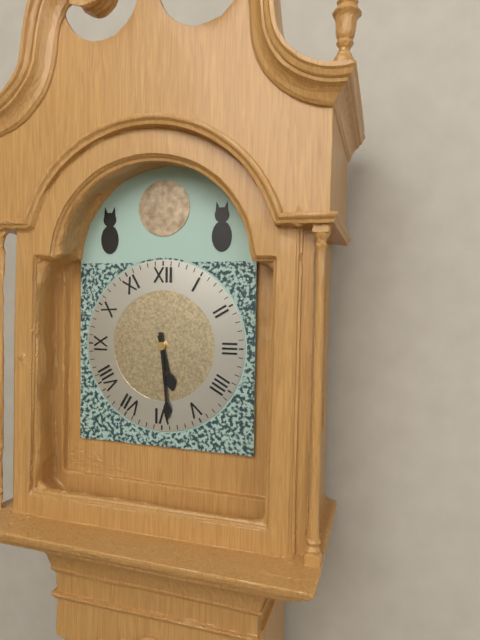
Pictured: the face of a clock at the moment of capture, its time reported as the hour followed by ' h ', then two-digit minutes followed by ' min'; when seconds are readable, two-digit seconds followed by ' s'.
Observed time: 5 h 29 min
